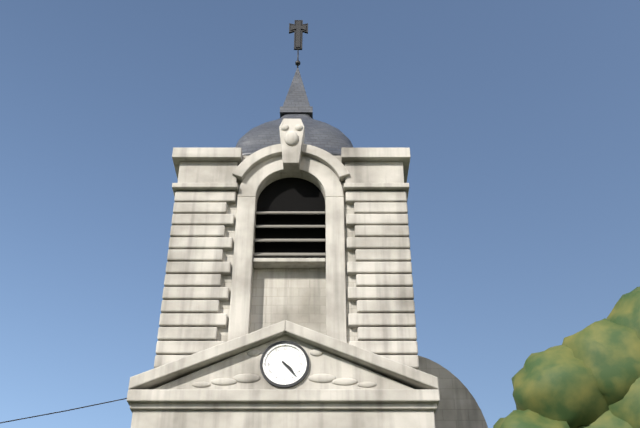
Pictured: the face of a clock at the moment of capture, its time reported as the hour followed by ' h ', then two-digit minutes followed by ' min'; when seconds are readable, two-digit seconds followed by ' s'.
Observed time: 4 h 23 min
